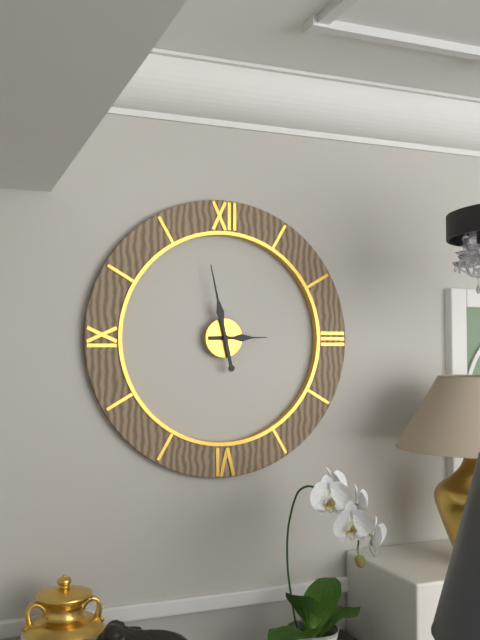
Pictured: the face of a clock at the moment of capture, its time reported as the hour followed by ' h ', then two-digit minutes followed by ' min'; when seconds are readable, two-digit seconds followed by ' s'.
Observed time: 2 h 58 min
